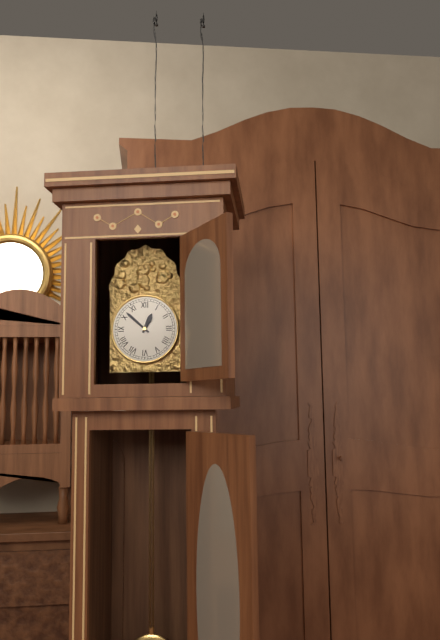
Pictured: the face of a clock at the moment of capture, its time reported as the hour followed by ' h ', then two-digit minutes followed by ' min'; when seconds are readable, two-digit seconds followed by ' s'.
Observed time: 12 h 52 min
